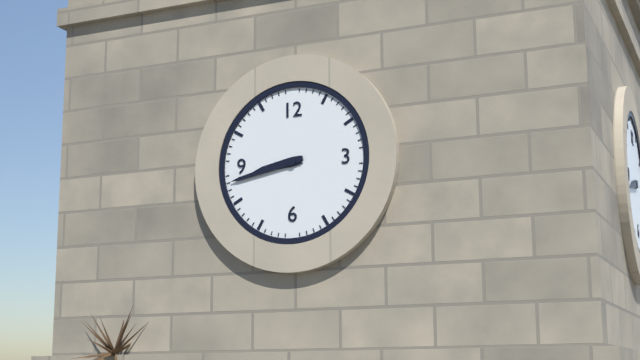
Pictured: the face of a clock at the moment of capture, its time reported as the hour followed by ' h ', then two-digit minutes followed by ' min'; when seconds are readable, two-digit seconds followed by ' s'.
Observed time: 8 h 43 min
